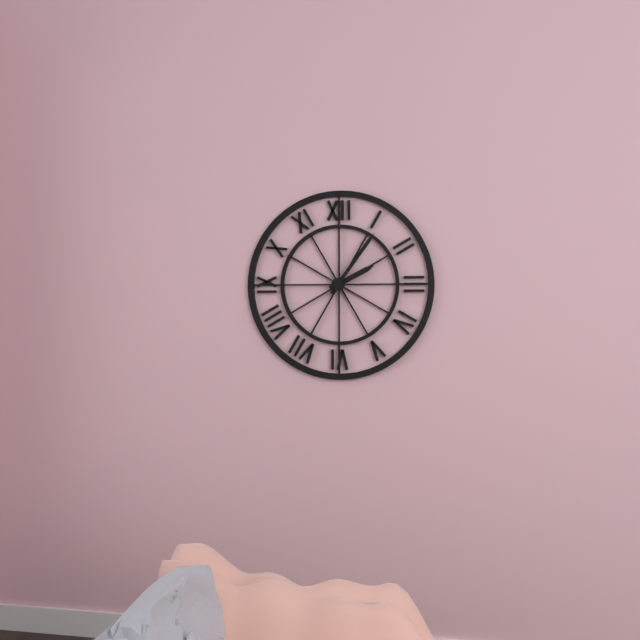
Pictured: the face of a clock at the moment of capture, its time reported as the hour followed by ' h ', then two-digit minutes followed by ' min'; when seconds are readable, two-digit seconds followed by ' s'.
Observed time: 2 h 06 min
